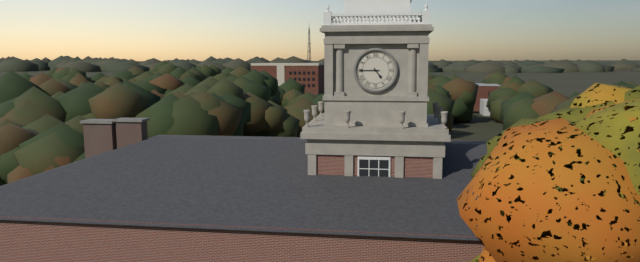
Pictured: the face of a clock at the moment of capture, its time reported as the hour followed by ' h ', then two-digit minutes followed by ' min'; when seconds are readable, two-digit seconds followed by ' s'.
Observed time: 4 h 45 min
